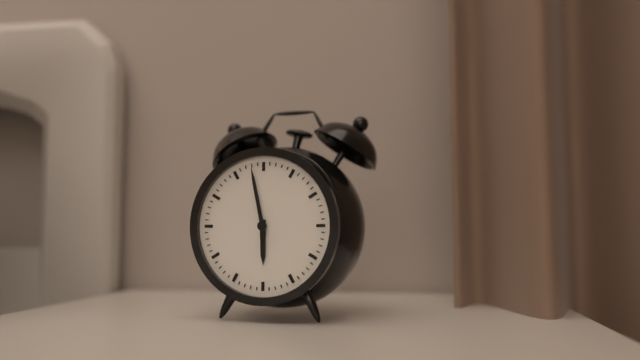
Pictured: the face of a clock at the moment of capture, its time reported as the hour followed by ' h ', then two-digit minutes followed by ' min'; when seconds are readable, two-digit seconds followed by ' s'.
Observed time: 5 h 58 min
